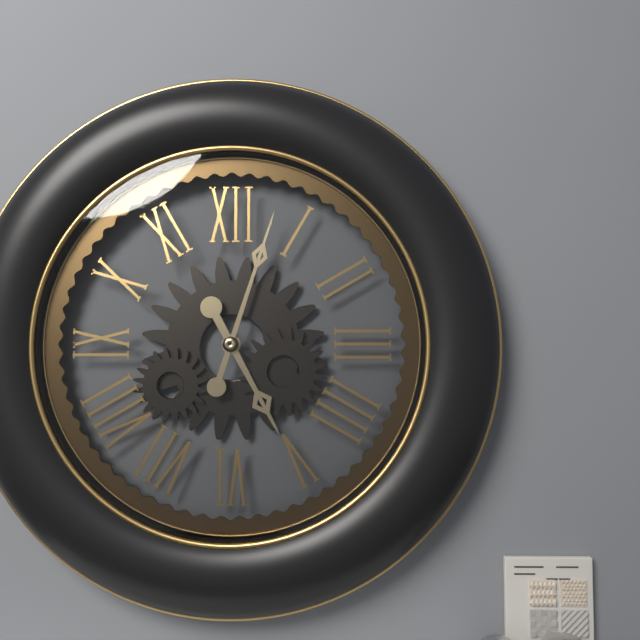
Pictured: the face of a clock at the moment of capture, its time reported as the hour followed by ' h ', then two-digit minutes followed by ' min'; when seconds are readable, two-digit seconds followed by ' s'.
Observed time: 5 h 03 min
